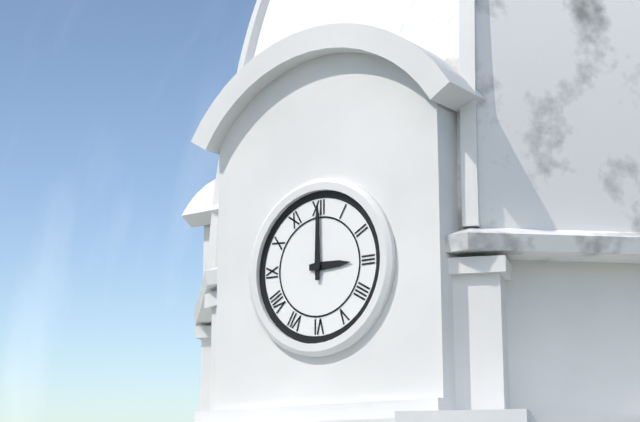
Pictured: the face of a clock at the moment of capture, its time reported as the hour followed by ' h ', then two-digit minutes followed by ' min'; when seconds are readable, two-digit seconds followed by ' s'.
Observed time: 3 h 00 min
